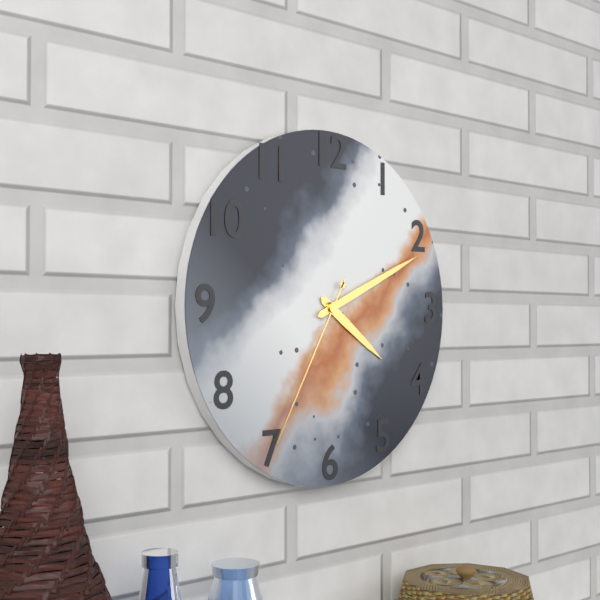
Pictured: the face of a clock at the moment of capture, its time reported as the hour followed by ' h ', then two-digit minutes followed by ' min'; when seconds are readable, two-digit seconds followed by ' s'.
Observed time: 4 h 11 min 35 s
